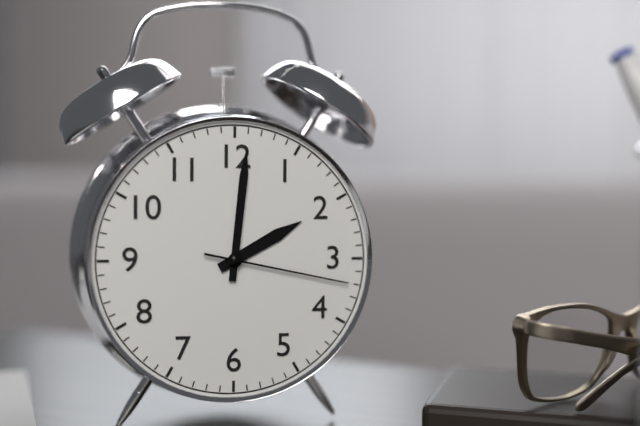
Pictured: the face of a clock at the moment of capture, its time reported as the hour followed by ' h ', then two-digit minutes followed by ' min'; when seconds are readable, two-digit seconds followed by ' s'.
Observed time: 2 h 01 min 17 s
